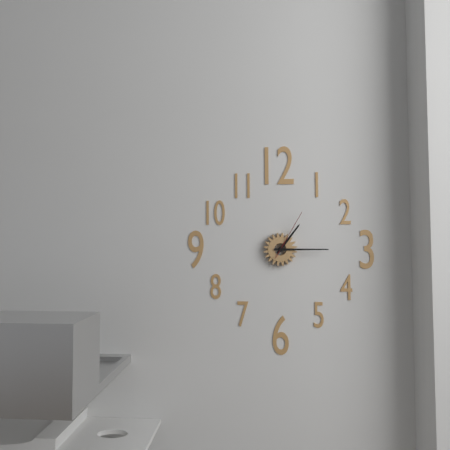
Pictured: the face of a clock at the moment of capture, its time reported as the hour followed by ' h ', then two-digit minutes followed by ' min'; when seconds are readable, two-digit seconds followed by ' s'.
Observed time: 1 h 15 min 05 s
